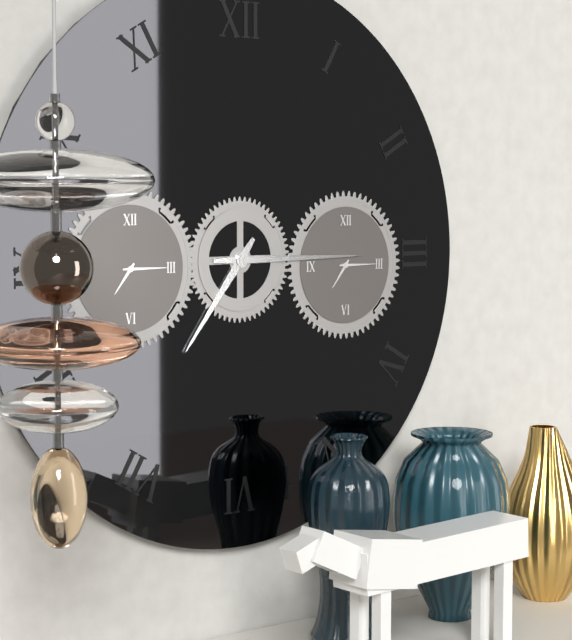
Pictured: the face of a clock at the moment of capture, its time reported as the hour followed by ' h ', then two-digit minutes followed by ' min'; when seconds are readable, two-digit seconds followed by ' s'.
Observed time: 7 h 15 min
